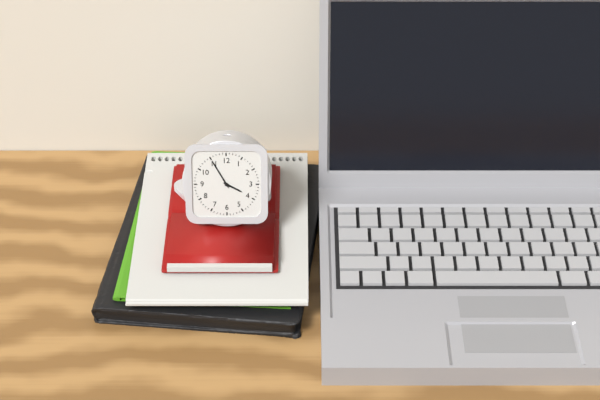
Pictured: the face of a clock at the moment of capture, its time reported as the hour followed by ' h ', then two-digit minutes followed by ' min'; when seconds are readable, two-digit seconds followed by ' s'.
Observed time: 3 h 55 min
